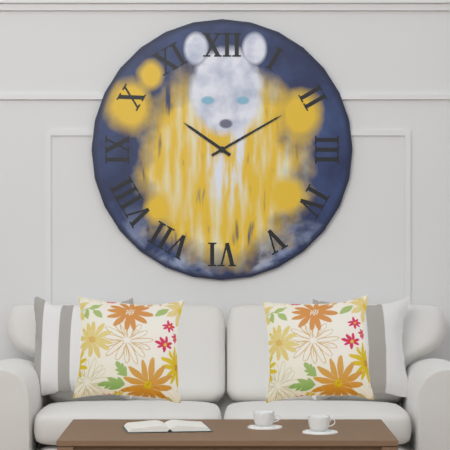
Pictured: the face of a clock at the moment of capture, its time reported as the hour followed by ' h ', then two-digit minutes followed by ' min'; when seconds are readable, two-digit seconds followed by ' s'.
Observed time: 10 h 10 min
